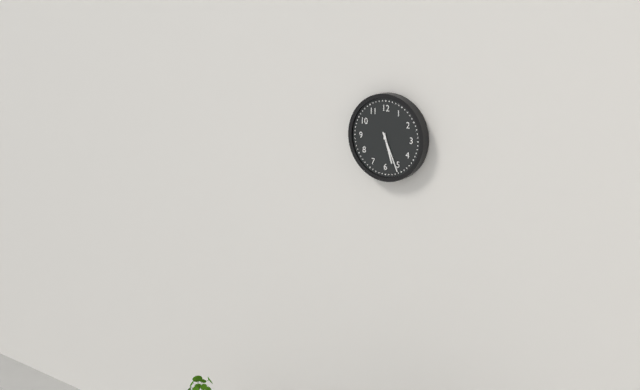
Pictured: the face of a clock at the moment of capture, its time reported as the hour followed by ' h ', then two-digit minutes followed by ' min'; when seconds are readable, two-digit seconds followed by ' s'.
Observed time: 5 h 26 min
